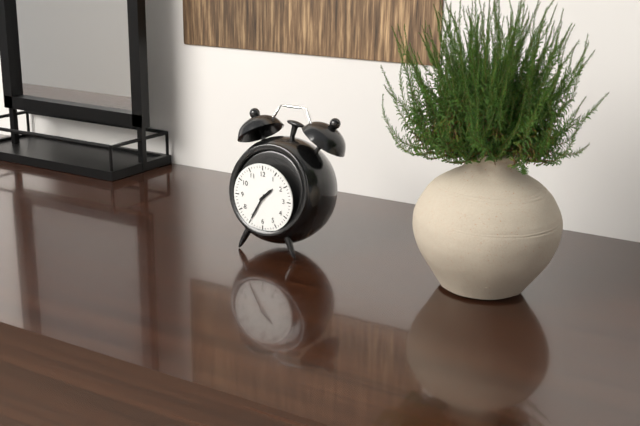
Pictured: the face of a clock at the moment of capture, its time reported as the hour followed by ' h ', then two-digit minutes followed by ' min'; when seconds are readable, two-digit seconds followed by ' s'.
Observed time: 1 h 35 min
